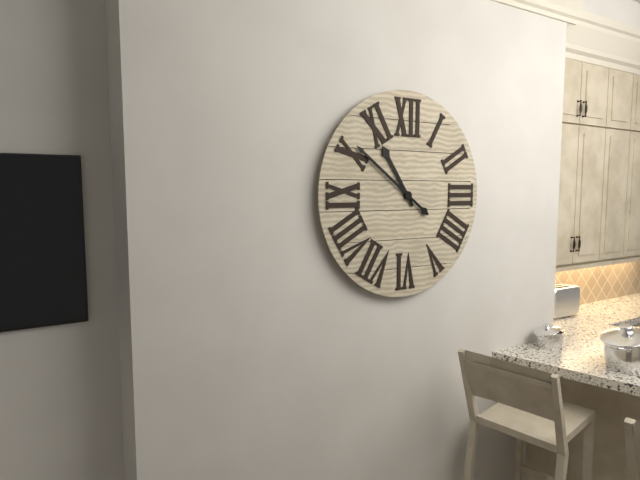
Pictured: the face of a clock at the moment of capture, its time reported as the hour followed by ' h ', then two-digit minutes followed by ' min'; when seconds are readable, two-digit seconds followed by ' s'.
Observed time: 10 h 51 min
